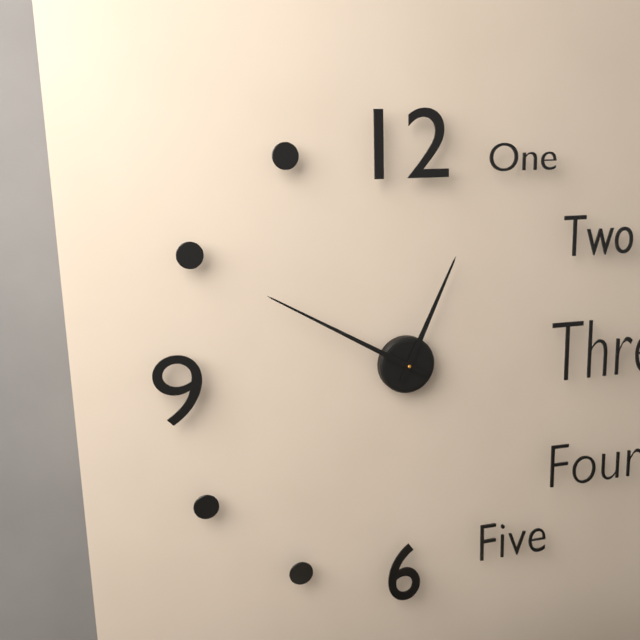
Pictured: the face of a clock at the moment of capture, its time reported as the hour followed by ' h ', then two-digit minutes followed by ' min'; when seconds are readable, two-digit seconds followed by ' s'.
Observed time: 12 h 50 min
